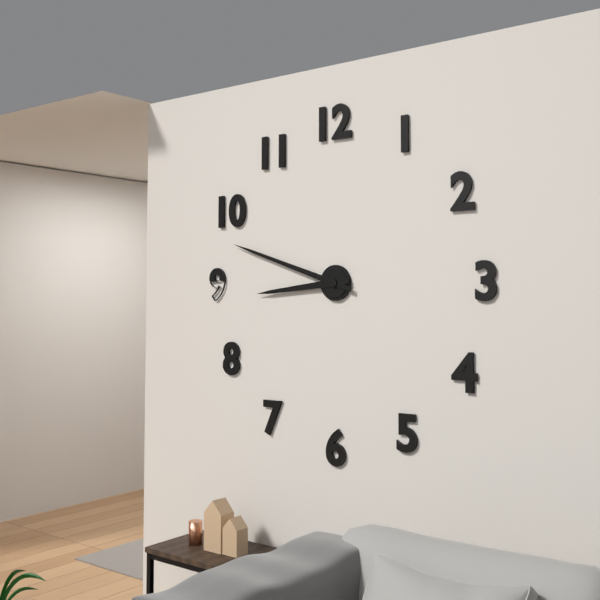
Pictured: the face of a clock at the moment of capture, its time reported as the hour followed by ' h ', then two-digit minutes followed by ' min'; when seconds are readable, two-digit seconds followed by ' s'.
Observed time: 8 h 48 min
